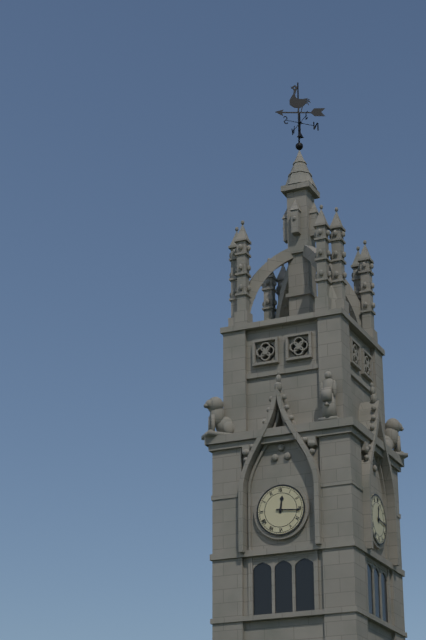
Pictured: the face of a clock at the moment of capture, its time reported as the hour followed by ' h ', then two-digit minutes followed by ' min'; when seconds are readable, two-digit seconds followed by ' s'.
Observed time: 12 h 16 min
